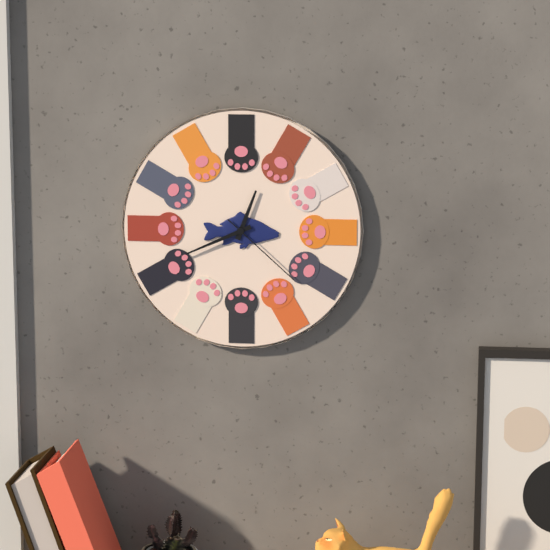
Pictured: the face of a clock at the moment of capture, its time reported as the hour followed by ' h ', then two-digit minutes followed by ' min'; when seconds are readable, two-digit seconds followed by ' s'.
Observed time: 12 h 41 min 22 s
